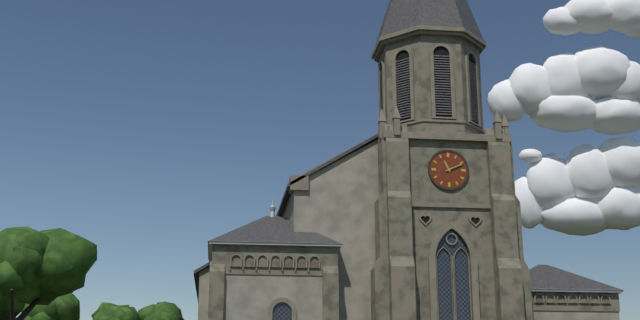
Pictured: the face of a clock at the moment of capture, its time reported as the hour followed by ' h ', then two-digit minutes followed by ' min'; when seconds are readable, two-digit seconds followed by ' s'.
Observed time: 11 h 11 min
